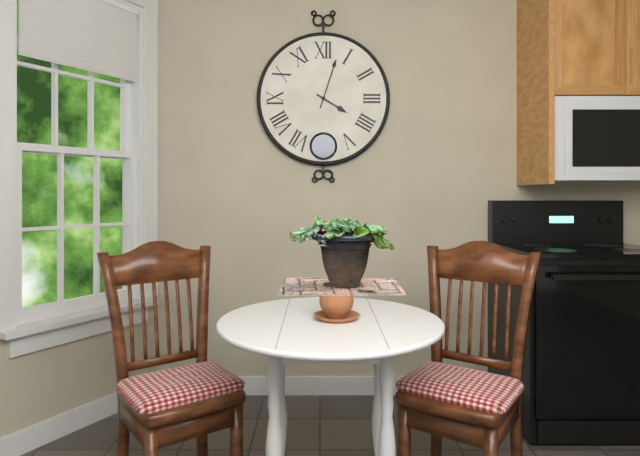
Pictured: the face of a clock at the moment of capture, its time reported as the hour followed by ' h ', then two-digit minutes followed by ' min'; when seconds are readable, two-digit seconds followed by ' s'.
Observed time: 4 h 03 min
